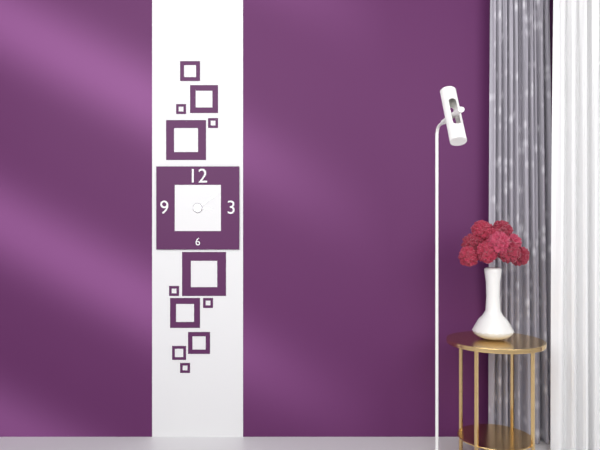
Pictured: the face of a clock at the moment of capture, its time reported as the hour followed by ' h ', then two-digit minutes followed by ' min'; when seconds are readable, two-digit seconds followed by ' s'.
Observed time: 3 h 09 min
